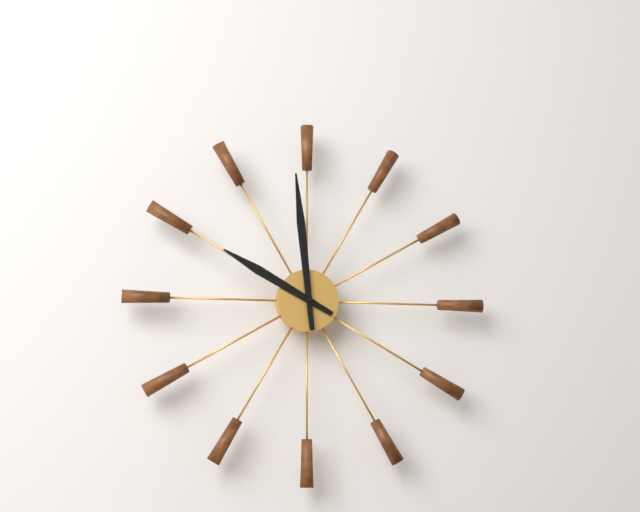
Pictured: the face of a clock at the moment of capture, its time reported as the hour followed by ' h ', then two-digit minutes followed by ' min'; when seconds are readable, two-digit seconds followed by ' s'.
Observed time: 9 h 59 min
